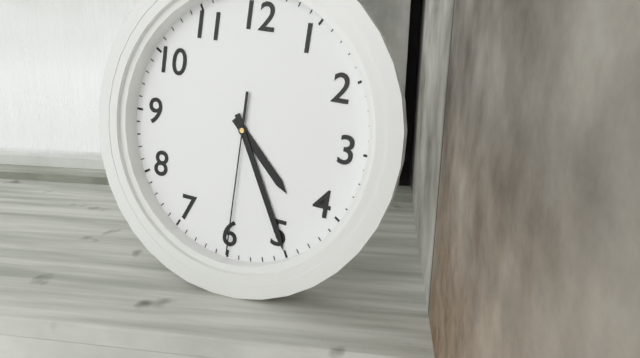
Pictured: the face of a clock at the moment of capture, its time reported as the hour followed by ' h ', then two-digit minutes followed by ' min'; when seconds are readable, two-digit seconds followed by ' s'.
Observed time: 4 h 25 min 30 s
